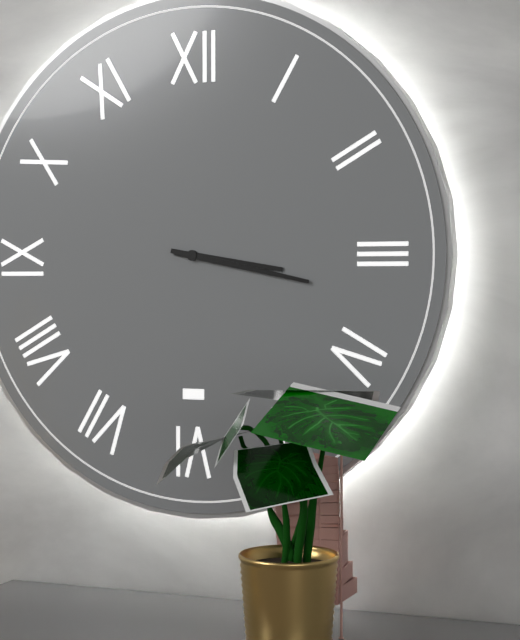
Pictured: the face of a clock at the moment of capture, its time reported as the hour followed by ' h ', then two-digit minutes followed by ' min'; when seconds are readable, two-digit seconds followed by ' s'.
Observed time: 3 h 17 min
